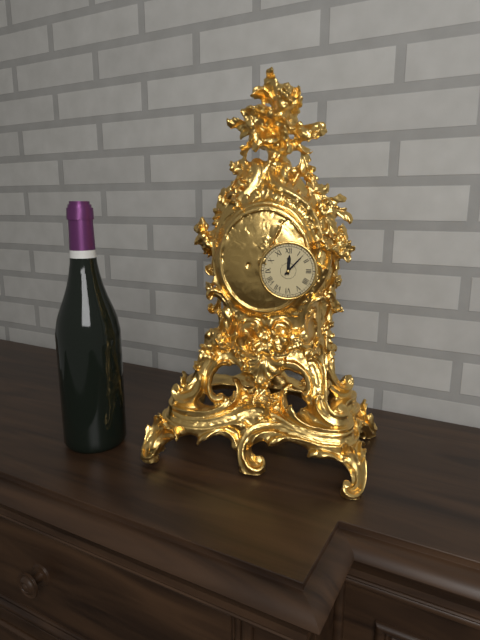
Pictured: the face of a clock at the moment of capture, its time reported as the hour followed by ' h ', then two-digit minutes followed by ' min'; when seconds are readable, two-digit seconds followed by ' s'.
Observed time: 12 h 07 min
